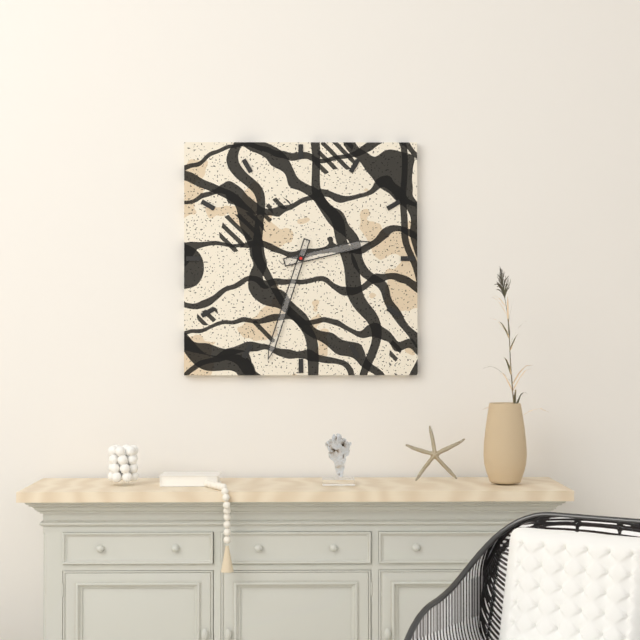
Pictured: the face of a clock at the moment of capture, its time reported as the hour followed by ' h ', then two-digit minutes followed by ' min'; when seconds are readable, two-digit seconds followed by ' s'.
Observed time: 2 h 33 min
